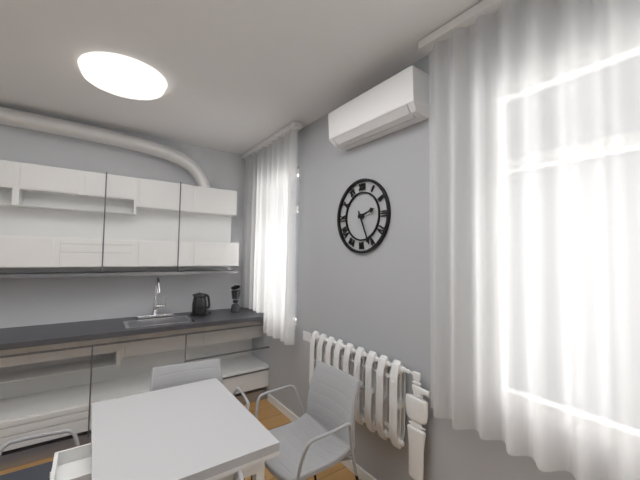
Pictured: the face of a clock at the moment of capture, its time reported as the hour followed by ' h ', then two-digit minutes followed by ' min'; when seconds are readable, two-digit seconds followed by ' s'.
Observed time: 2 h 26 min
